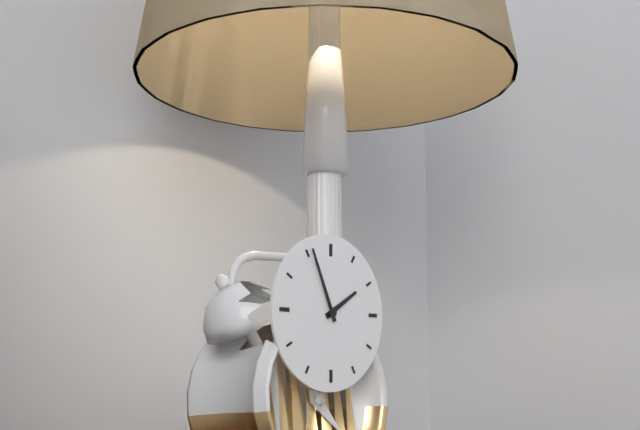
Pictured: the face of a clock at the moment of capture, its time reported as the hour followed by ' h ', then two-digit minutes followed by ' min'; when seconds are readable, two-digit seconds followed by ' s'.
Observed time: 1 h 56 min
